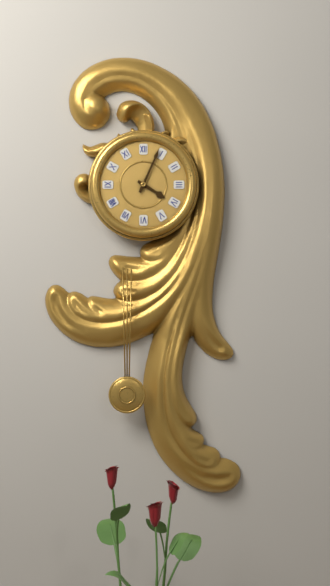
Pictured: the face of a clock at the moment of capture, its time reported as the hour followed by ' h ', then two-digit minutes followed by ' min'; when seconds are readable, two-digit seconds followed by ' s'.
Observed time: 4 h 04 min
